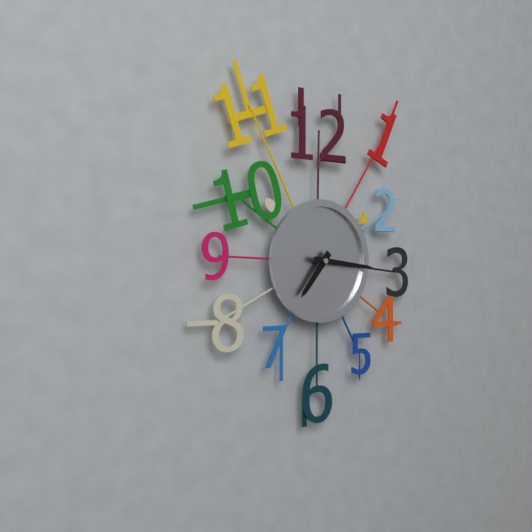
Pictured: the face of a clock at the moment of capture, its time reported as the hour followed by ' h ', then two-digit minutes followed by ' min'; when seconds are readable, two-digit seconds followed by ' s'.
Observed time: 7 h 16 min
